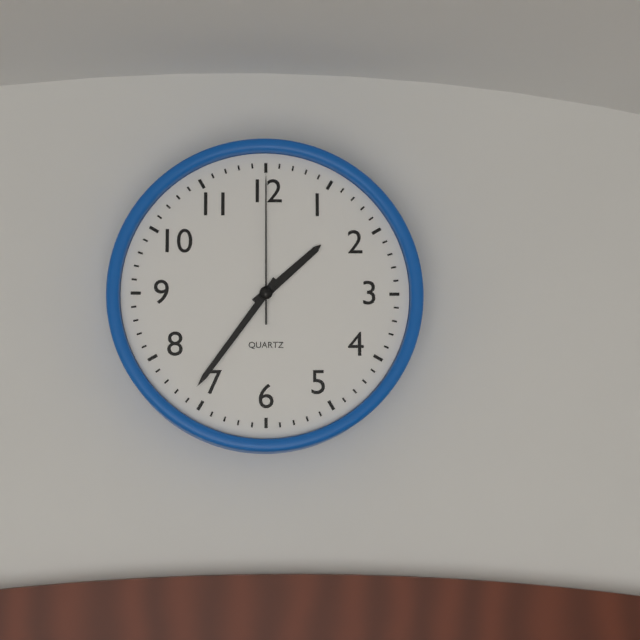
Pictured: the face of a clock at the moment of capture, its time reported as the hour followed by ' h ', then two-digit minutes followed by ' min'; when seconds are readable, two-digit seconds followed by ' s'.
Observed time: 1 h 36 min 00 s
